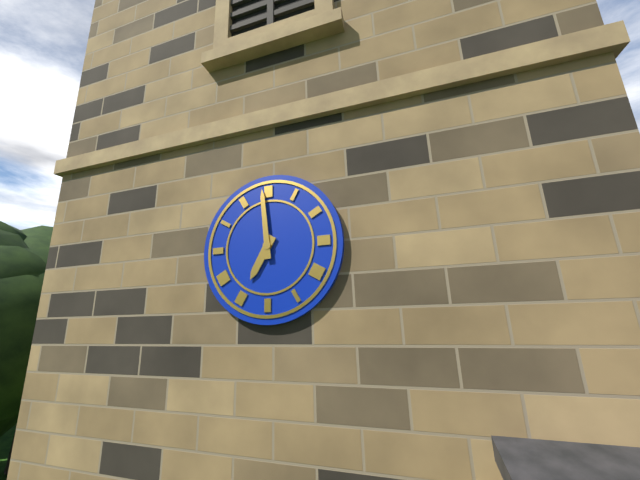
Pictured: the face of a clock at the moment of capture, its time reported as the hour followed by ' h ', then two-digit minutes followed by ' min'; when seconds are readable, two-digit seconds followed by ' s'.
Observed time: 6 h 59 min
